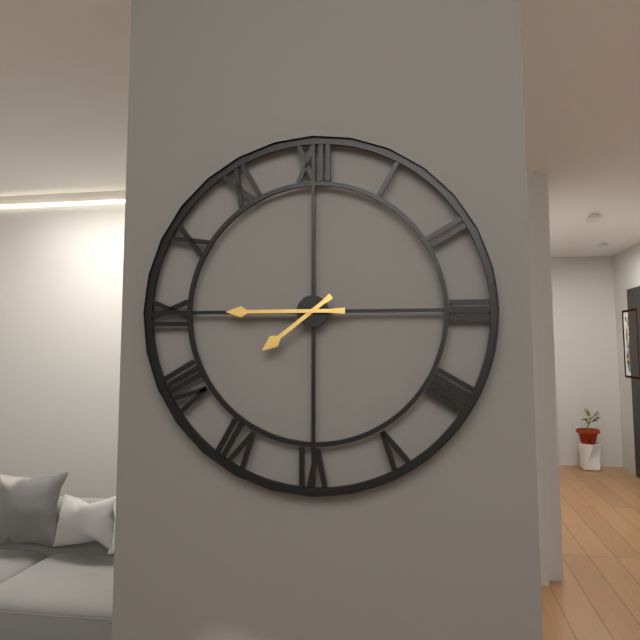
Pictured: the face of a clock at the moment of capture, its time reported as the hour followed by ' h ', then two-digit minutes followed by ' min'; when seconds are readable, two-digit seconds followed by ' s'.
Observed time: 7 h 45 min
